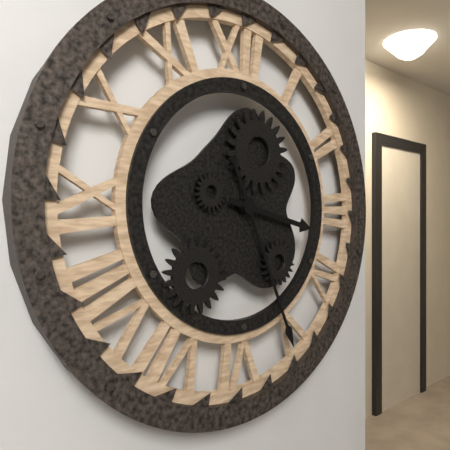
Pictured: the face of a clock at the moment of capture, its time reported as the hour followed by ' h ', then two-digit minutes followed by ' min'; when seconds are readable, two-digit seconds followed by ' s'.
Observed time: 3 h 26 min
